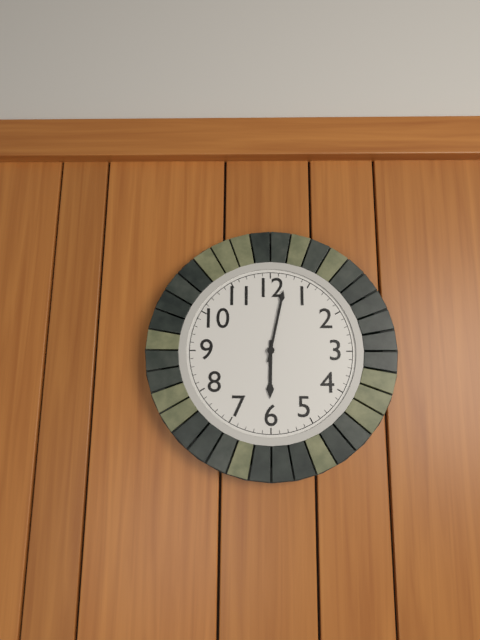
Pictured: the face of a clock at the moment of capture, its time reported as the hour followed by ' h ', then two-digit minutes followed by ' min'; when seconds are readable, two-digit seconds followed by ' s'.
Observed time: 6 h 02 min
